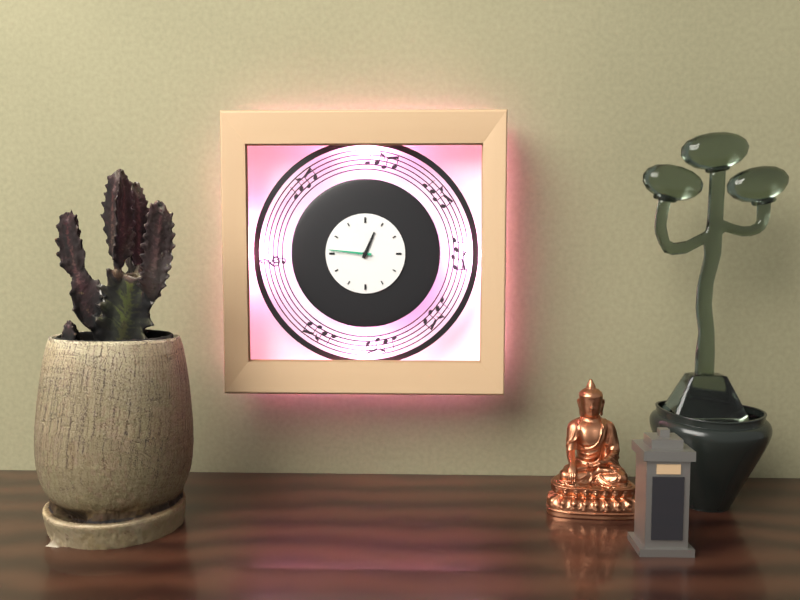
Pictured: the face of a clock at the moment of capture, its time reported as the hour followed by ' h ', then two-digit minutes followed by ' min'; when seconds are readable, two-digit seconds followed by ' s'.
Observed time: 12 h 46 min
